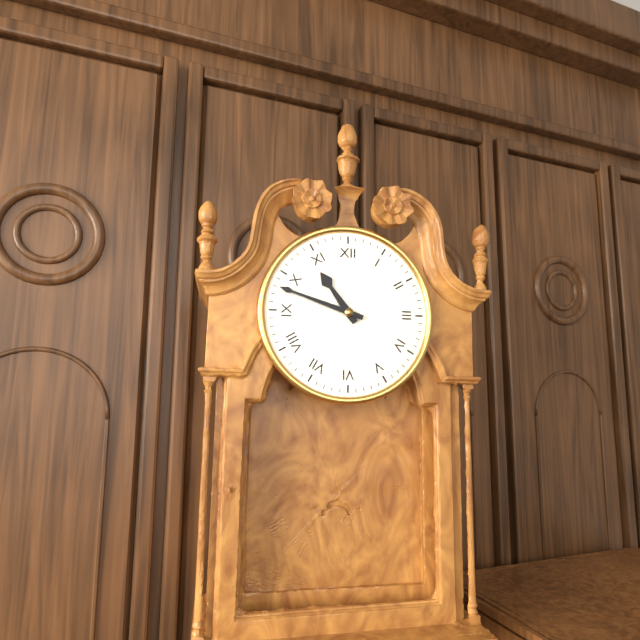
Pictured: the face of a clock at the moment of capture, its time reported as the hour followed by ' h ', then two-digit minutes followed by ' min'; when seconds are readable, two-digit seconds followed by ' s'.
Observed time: 10 h 48 min
